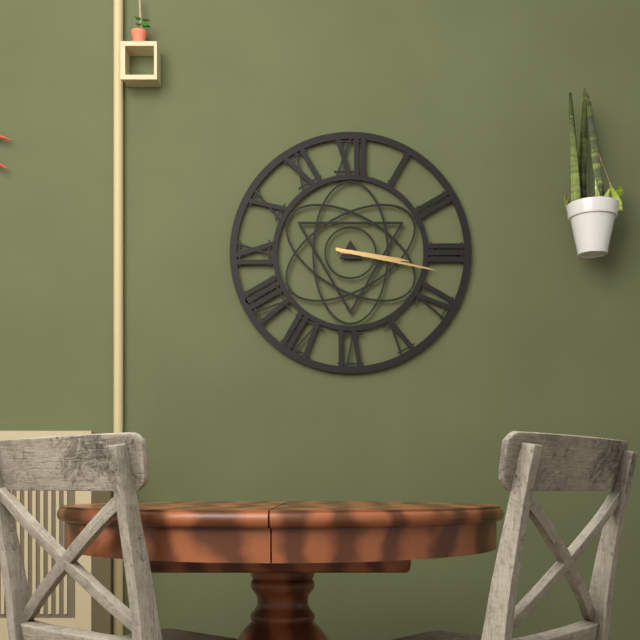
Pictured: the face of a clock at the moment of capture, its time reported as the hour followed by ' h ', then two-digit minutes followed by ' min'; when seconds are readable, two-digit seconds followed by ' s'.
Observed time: 3 h 17 min
